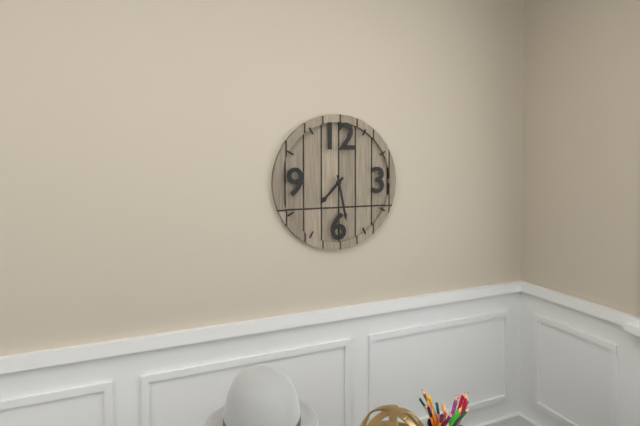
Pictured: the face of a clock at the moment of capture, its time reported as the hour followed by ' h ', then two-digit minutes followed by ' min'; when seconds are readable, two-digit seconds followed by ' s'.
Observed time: 7 h 28 min
